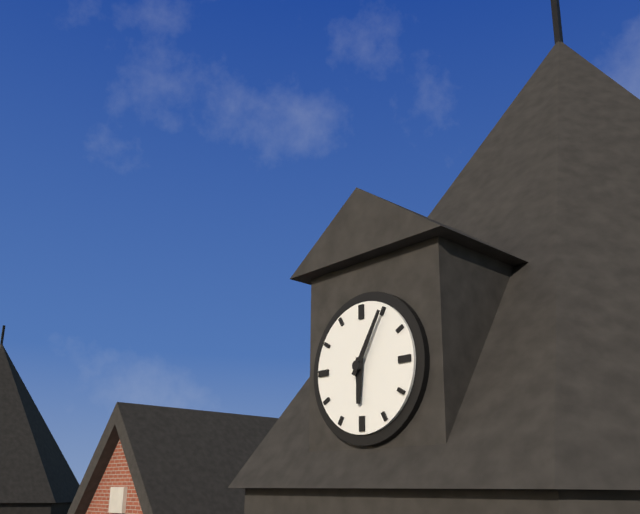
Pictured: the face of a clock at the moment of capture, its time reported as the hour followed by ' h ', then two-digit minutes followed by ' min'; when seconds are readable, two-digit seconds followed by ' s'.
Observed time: 6 h 05 min
